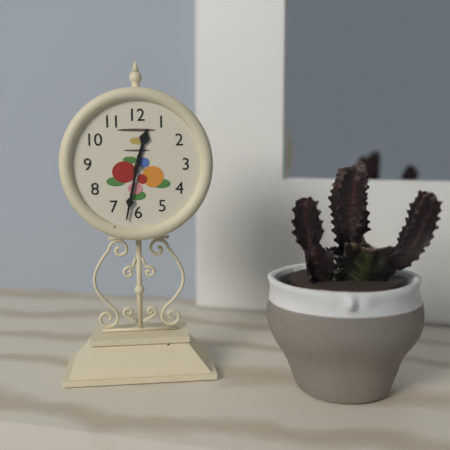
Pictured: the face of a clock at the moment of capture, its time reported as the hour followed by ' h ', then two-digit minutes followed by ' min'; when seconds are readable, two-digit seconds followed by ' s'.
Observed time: 12 h 32 min
